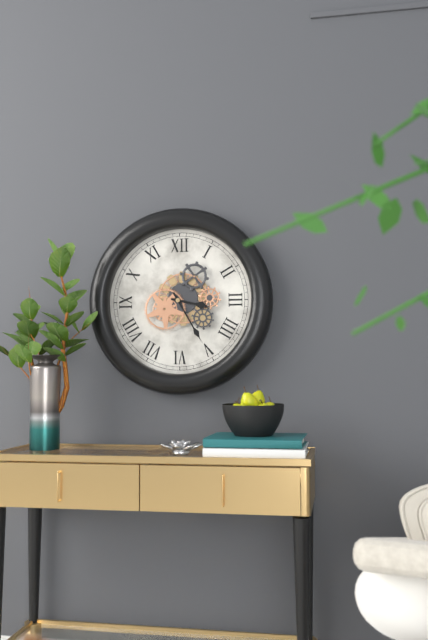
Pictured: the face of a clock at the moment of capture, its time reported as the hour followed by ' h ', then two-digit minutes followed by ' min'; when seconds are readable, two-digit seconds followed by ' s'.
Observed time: 3 h 25 min
